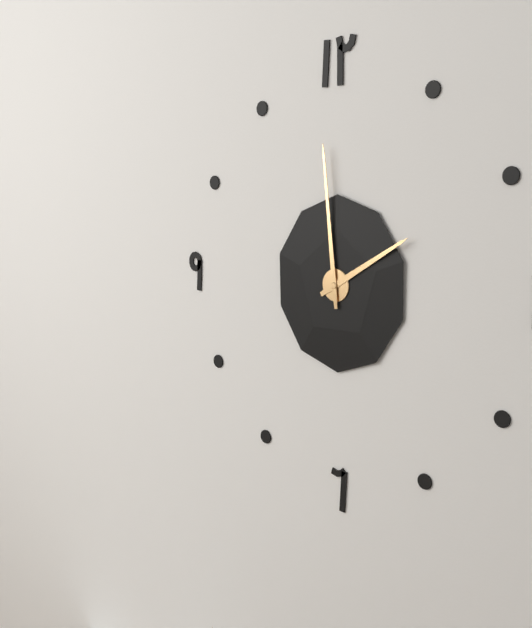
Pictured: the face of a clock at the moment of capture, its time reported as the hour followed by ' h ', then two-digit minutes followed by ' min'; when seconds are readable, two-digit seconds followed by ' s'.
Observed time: 1 h 59 min
